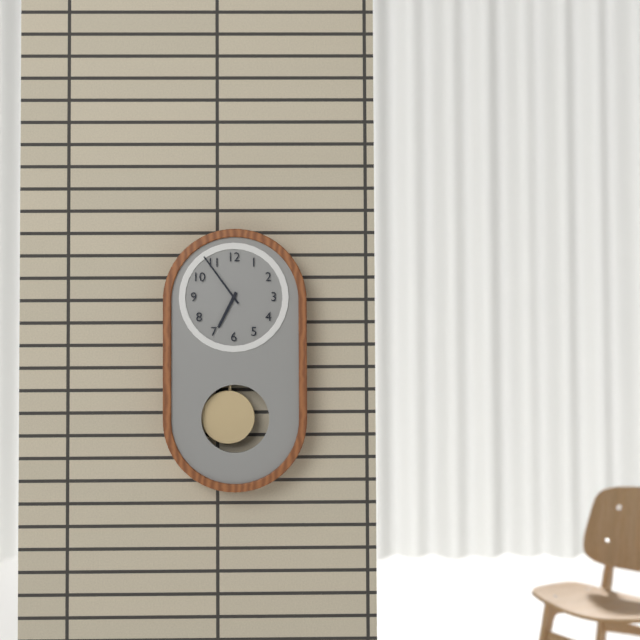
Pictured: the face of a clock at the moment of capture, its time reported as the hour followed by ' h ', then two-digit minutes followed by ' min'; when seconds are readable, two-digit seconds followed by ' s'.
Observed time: 6 h 54 min
